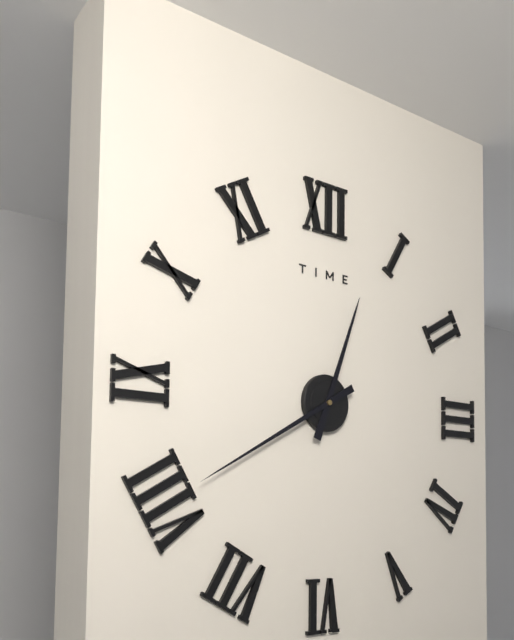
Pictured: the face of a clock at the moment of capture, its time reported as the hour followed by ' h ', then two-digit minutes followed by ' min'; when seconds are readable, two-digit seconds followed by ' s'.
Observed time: 12 h 40 min
